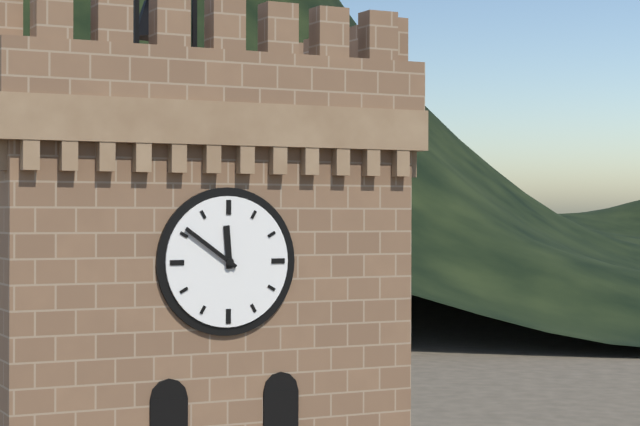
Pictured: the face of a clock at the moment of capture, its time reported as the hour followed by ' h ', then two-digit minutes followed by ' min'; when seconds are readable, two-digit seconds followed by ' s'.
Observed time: 11 h 51 min
